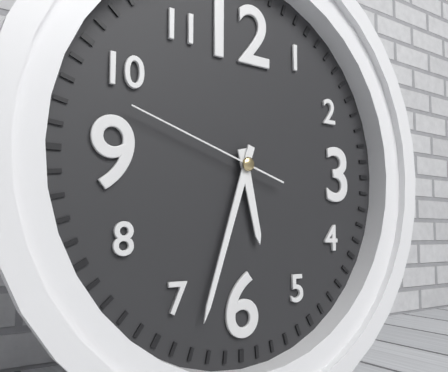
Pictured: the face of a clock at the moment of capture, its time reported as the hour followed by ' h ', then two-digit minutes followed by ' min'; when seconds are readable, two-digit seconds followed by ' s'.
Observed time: 5 h 33 min 48 s
